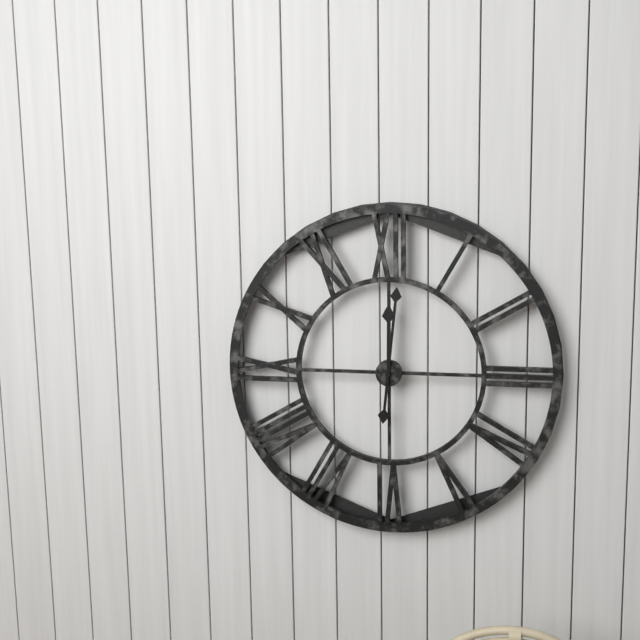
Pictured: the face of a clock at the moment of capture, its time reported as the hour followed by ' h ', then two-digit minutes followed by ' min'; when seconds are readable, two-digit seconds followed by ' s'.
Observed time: 12 h 01 min
